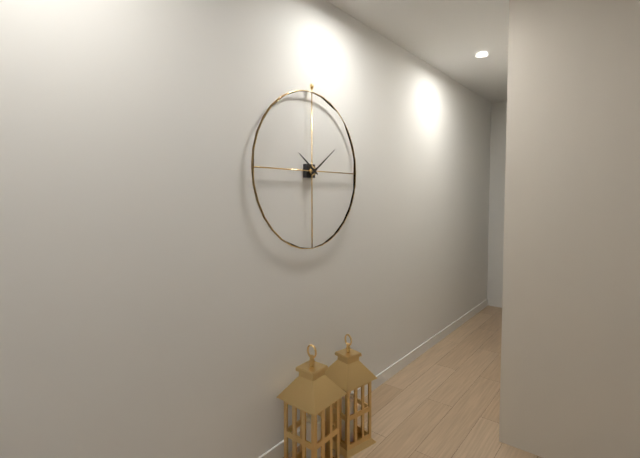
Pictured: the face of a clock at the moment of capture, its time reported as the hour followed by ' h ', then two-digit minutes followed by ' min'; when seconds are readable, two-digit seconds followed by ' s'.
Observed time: 10 h 09 min
